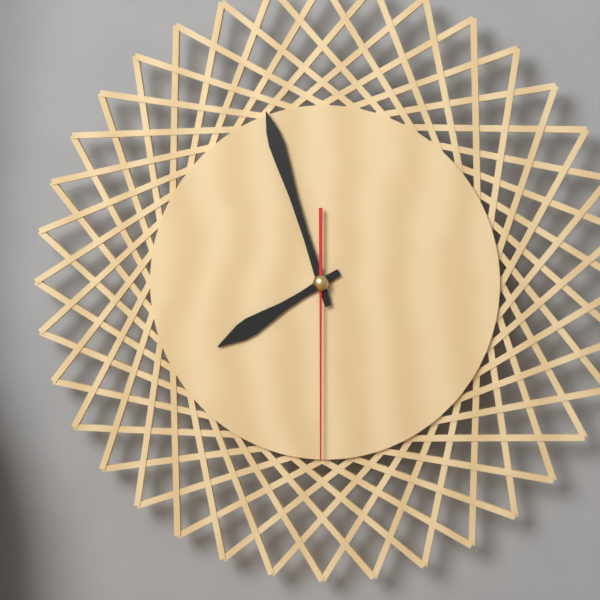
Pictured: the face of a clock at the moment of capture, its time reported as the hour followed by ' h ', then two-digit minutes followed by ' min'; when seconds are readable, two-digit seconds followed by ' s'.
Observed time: 7 h 57 min 30 s
